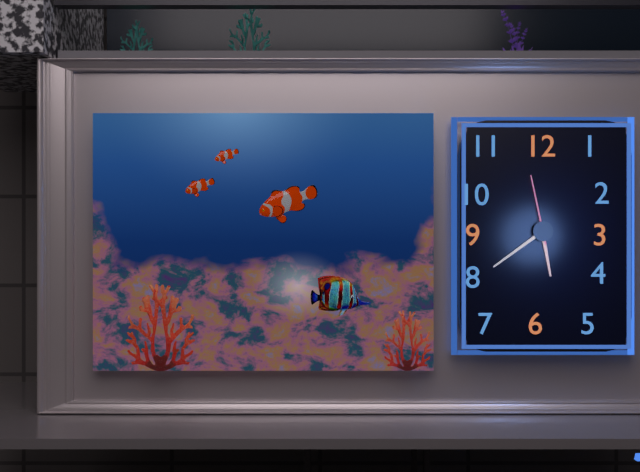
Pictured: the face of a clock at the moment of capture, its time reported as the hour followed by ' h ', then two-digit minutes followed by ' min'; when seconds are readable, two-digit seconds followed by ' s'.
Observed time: 5 h 39 min 58 s
